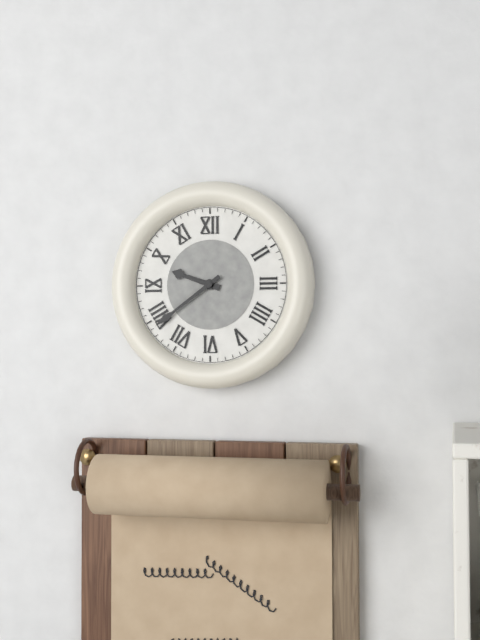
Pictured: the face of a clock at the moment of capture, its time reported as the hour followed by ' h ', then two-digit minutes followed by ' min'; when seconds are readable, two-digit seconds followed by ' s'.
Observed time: 9 h 39 min
